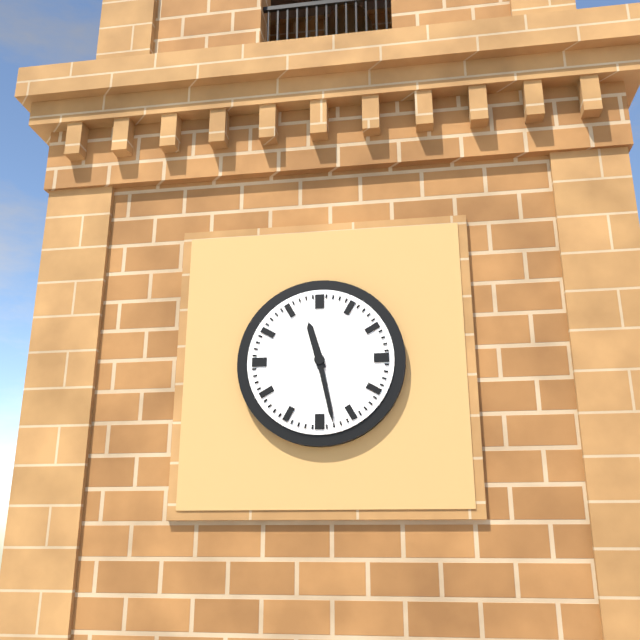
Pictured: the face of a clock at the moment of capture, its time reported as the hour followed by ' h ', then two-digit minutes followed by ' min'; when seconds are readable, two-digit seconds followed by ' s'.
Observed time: 11 h 28 min
